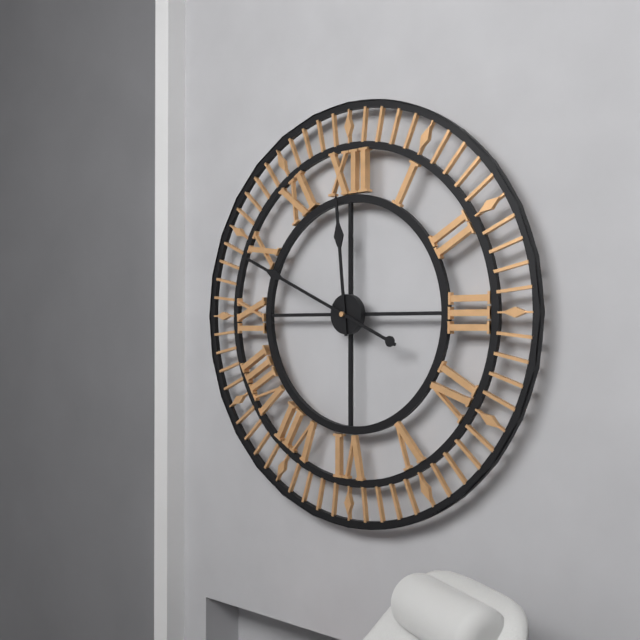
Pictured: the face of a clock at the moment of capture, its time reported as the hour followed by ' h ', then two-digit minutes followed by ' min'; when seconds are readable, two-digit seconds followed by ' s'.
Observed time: 11 h 49 min
